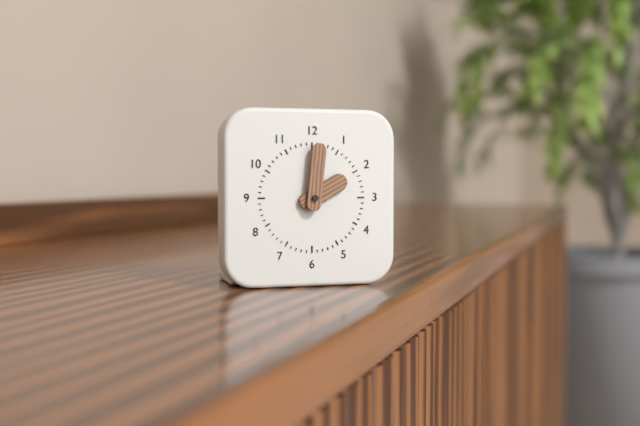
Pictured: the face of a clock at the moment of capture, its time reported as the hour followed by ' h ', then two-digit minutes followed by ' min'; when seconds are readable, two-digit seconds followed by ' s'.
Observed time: 2 h 01 min
